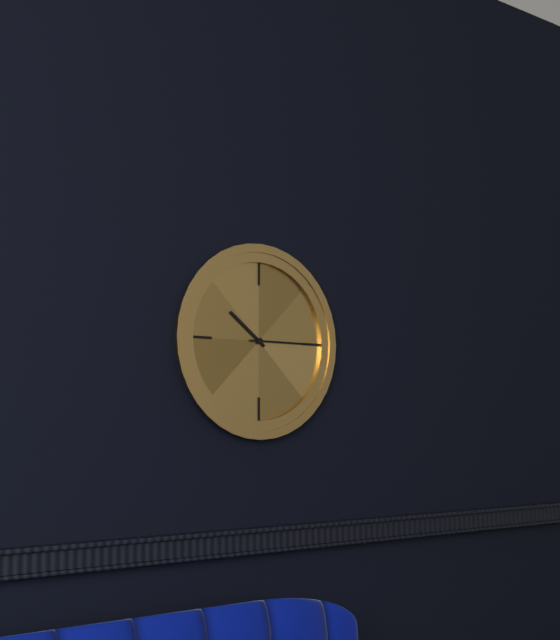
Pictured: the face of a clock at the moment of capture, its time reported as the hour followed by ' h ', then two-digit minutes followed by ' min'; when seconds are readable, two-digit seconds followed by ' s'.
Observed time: 10 h 15 min
